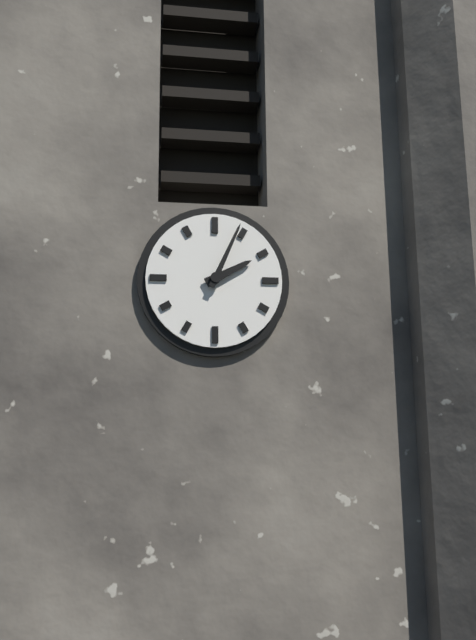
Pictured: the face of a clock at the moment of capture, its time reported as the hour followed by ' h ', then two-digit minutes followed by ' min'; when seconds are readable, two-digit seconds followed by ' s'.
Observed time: 2 h 04 min
